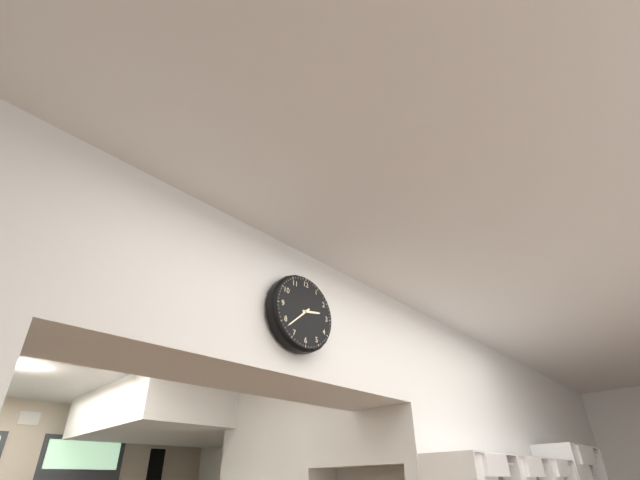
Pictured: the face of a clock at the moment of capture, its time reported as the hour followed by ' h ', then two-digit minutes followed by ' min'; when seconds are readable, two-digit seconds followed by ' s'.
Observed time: 2 h 38 min
